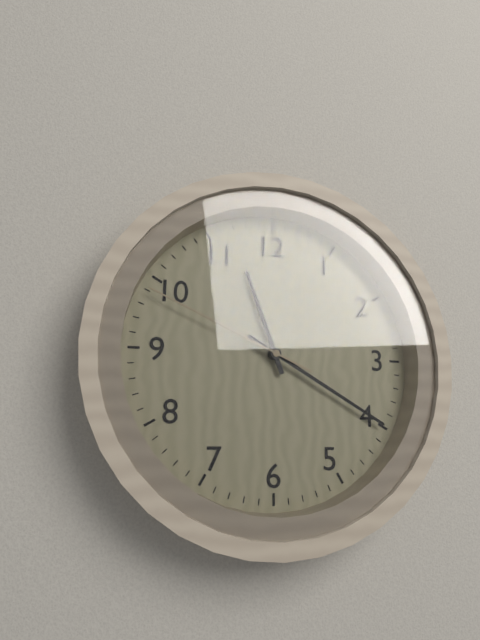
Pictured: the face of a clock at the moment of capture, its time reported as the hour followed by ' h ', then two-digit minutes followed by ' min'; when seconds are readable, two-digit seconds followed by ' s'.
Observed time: 11 h 20 min 49 s
